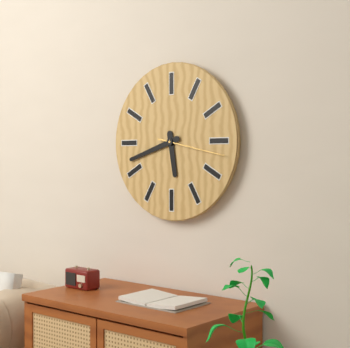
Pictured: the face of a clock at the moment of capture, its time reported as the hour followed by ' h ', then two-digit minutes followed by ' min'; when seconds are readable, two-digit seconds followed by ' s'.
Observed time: 5 h 42 min 17 s
